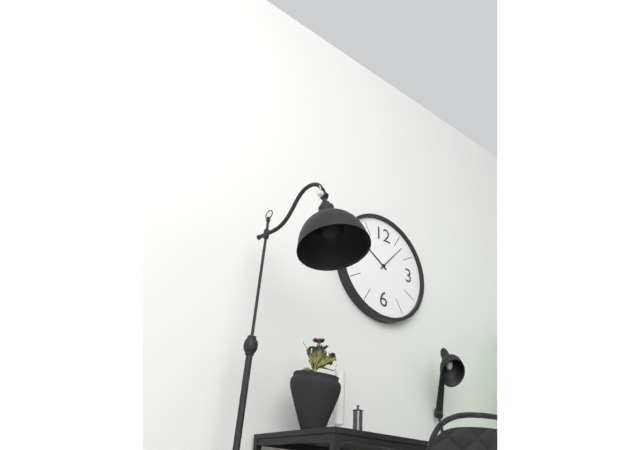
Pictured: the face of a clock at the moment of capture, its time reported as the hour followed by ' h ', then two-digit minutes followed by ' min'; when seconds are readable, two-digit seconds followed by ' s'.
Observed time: 10 h 07 min
